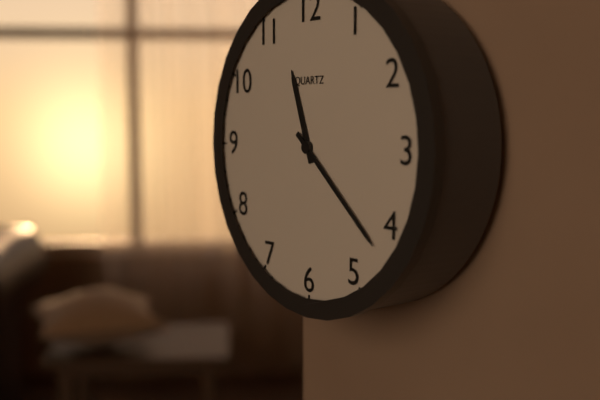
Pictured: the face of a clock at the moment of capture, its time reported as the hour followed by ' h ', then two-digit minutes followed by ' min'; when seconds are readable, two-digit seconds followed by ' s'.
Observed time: 11 h 22 min
